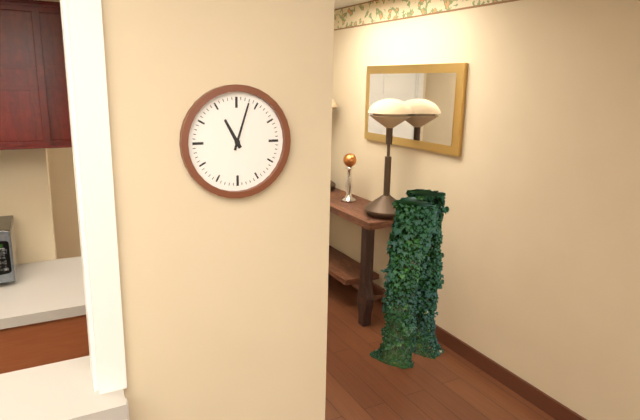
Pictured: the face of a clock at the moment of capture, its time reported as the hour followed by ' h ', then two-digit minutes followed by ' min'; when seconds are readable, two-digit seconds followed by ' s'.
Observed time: 11 h 03 min
